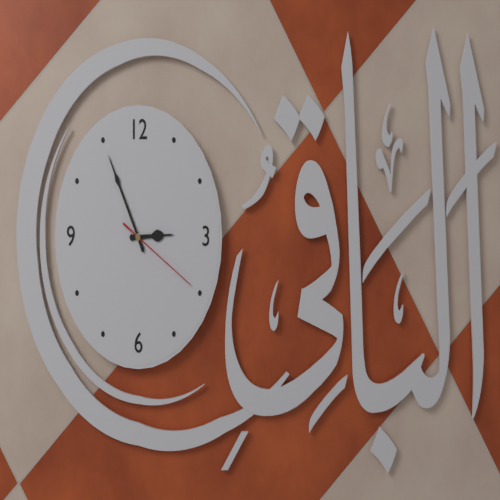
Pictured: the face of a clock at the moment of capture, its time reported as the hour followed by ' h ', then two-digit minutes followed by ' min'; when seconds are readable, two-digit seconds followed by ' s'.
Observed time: 2 h 55 min 20 s
